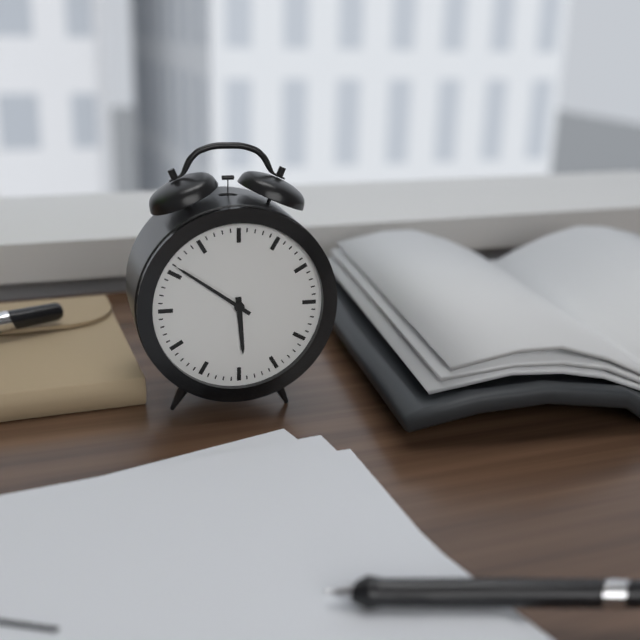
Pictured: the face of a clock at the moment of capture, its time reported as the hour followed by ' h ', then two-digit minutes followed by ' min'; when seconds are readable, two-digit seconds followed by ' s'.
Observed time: 5 h 51 min
